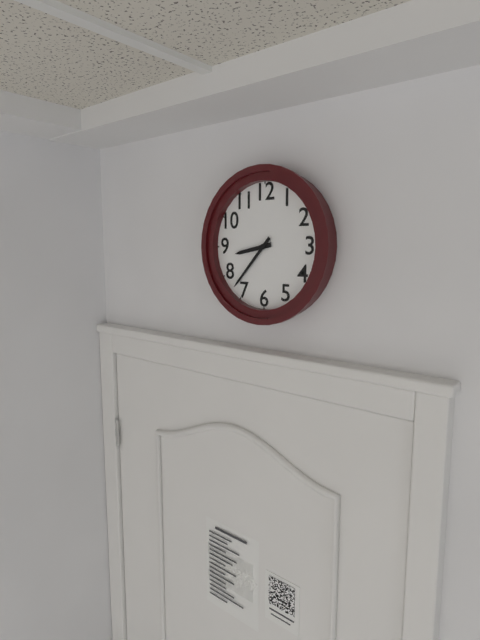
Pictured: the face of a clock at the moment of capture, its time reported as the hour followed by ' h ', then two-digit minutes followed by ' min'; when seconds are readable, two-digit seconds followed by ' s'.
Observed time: 8 h 37 min
